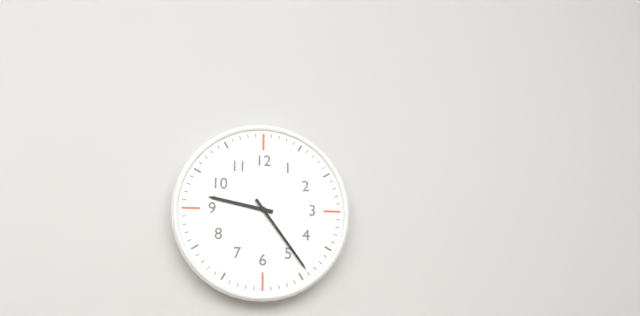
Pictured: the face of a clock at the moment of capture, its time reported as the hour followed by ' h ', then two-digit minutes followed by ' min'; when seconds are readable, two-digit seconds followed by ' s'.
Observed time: 9 h 24 min
